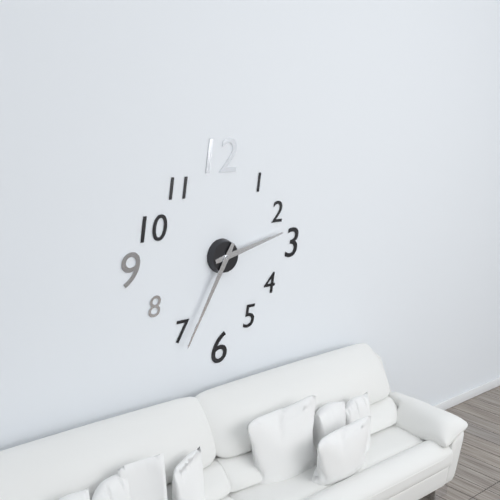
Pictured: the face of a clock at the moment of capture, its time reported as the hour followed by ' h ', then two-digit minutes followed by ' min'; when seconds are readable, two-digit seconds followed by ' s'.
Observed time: 2 h 35 min
